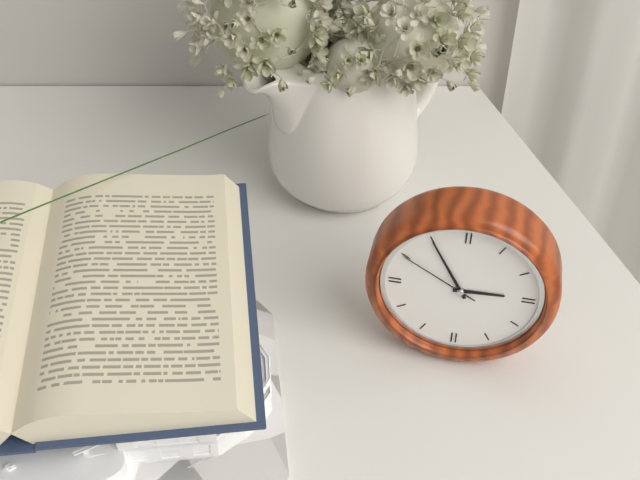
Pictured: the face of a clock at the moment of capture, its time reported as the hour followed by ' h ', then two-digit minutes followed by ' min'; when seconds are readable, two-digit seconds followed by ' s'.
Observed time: 2 h 55 min 50 s
